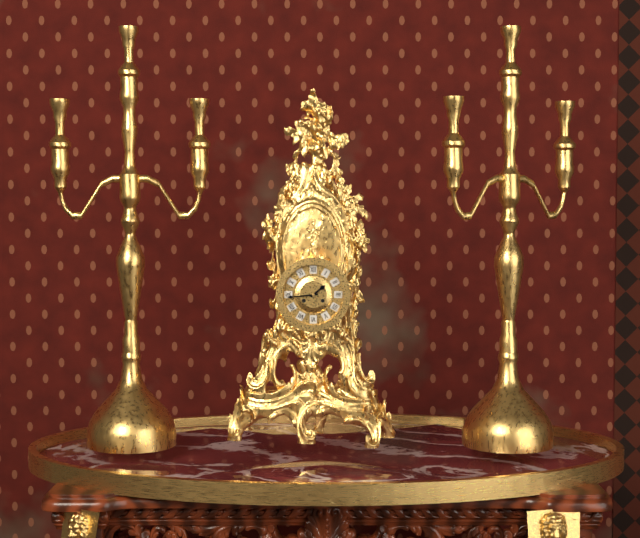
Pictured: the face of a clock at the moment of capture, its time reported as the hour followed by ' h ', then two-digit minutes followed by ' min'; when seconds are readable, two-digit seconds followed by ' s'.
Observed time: 1 h 44 min
